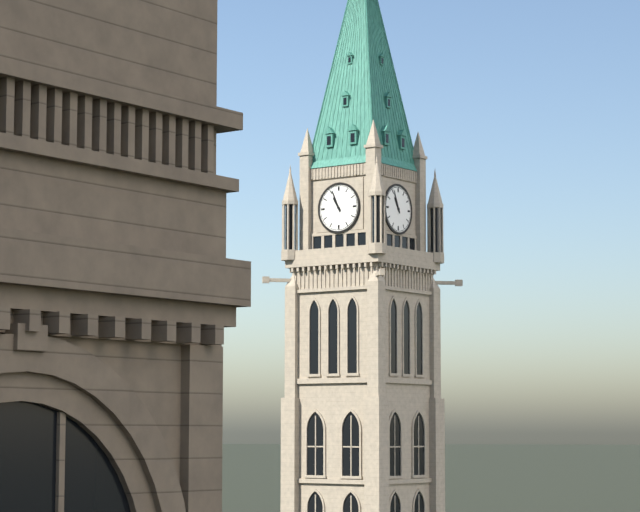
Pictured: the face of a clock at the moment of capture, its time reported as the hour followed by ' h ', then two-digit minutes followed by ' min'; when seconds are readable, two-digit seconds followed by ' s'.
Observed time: 10 h 56 min
